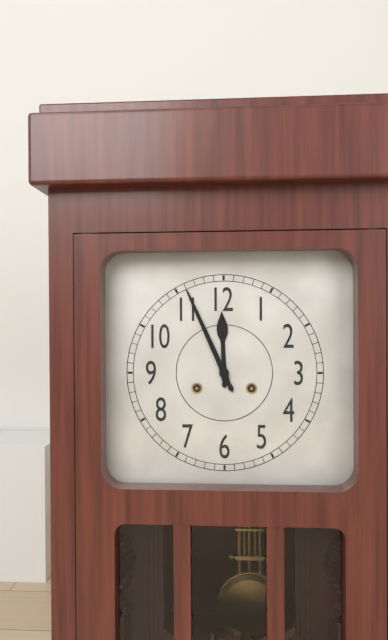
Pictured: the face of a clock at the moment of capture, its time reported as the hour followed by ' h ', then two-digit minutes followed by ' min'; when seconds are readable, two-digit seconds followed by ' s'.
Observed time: 11 h 56 min
